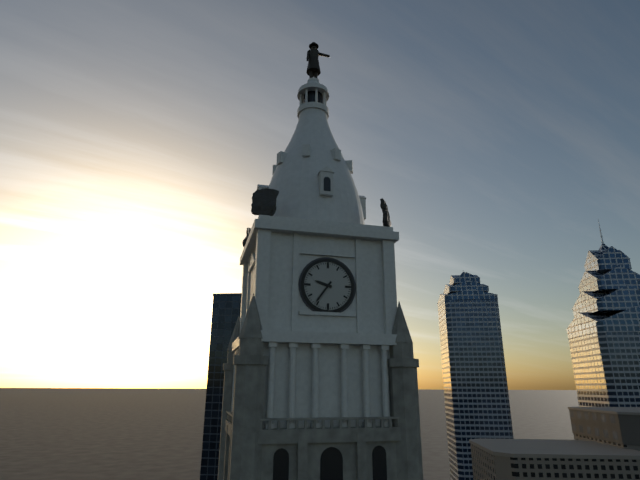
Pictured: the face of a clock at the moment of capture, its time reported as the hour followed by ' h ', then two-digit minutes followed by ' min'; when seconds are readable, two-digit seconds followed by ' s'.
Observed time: 9 h 36 min
